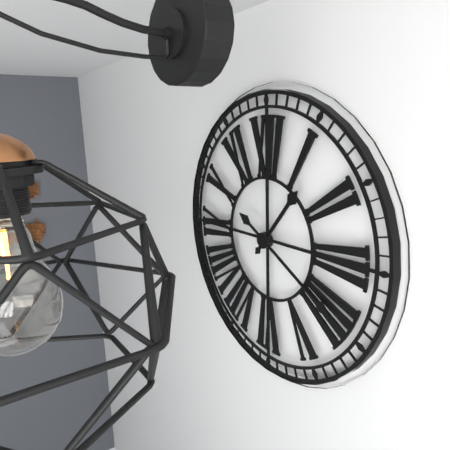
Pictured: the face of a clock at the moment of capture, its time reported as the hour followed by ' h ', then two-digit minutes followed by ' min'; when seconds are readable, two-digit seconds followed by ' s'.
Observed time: 1 h 20 min
